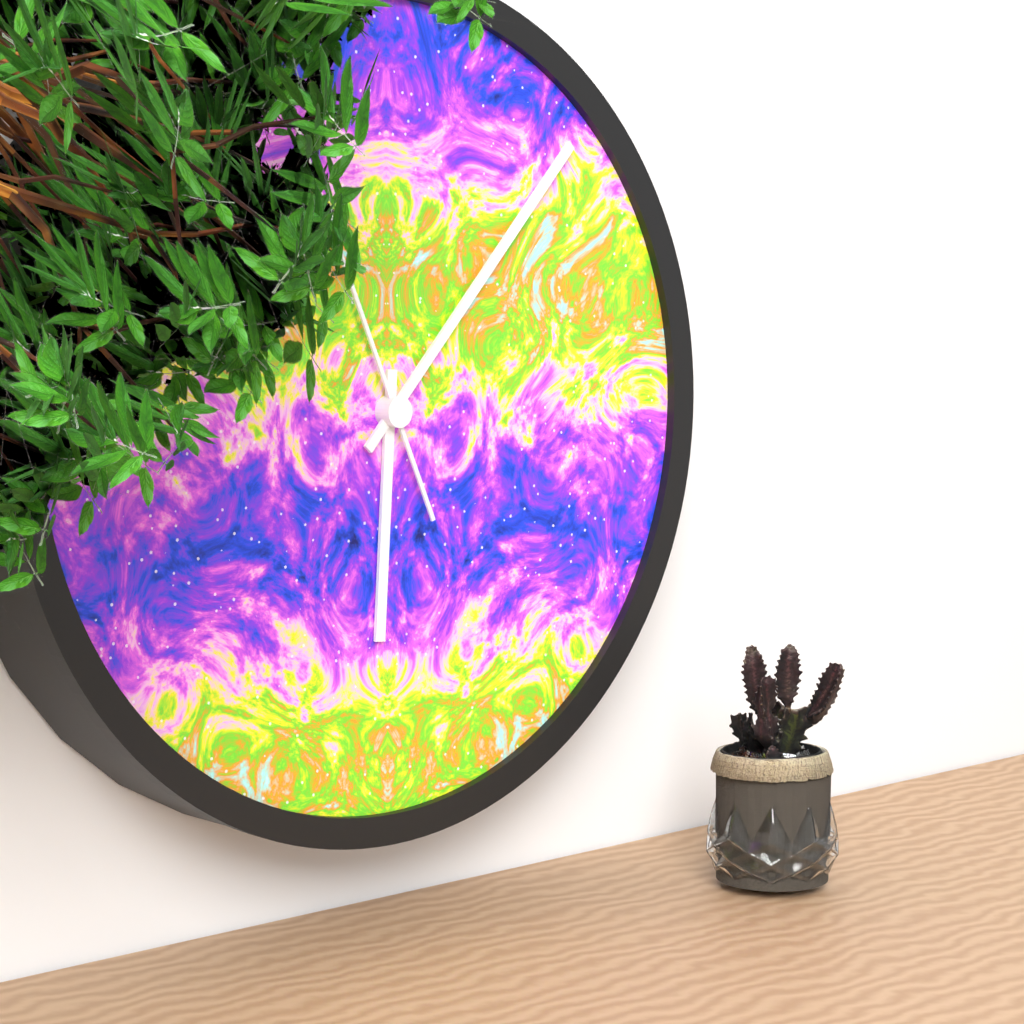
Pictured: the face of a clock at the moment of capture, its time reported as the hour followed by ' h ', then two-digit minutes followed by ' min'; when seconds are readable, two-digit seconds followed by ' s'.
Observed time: 6 h 07 min
